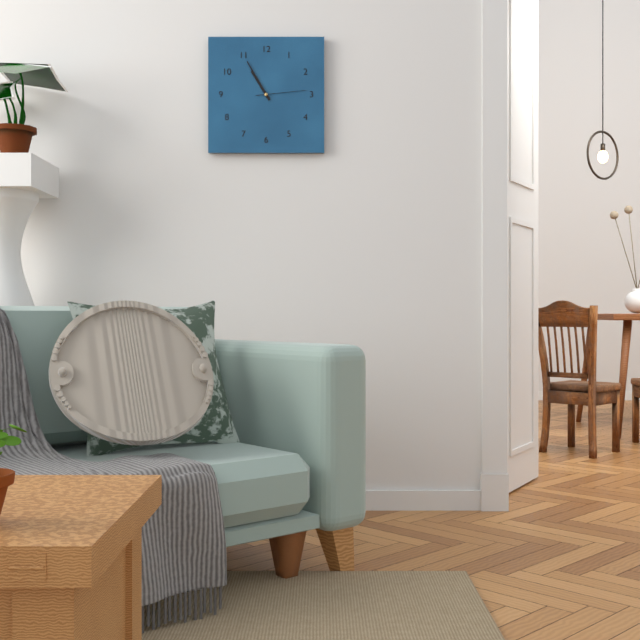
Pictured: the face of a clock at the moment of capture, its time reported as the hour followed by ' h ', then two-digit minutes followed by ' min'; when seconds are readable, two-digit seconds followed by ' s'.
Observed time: 10 h 55 min 14 s
